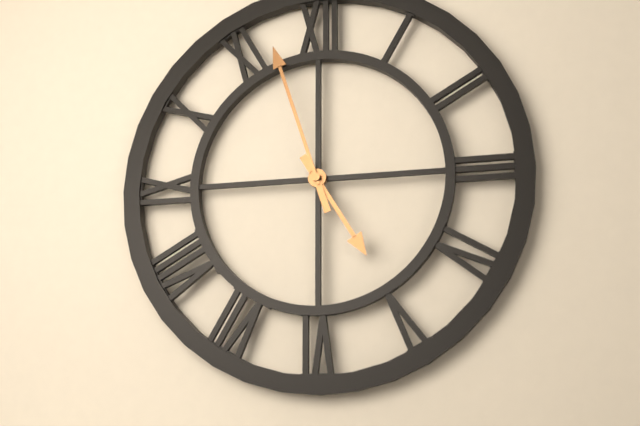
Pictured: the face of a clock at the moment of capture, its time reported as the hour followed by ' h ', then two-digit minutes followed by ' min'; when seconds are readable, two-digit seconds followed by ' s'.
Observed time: 4 h 57 min
